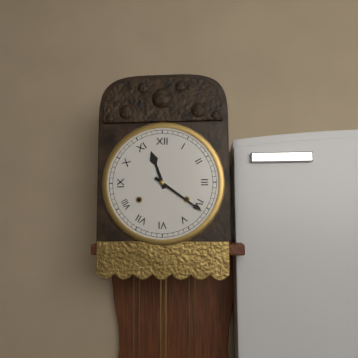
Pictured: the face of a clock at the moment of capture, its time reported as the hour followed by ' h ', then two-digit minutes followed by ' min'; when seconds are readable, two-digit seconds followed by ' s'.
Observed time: 11 h 21 min
